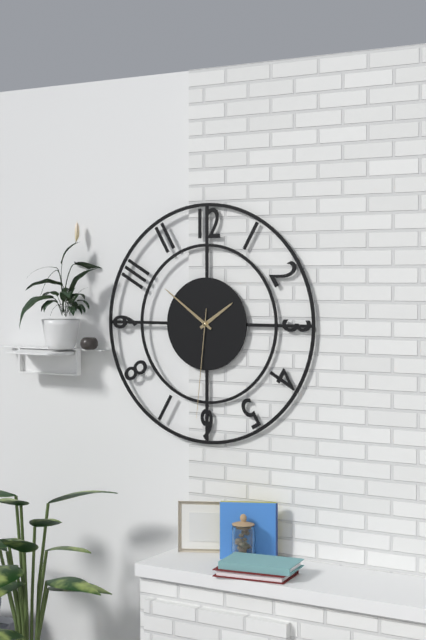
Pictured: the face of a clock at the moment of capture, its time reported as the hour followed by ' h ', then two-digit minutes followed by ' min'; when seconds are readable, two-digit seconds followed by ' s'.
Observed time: 1 h 51 min 31 s
